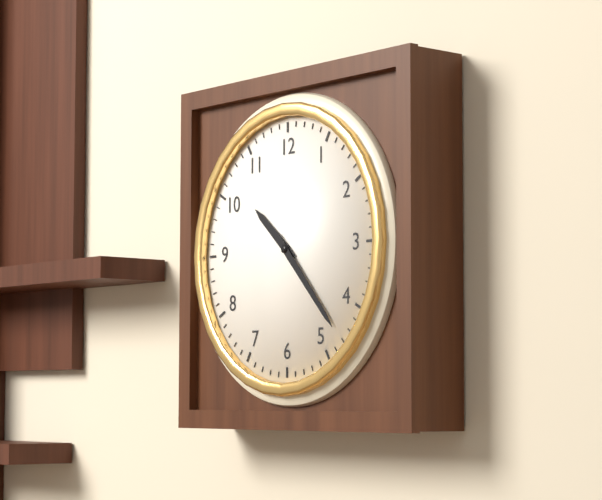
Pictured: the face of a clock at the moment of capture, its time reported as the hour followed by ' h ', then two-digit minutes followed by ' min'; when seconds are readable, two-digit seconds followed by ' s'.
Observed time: 10 h 23 min
